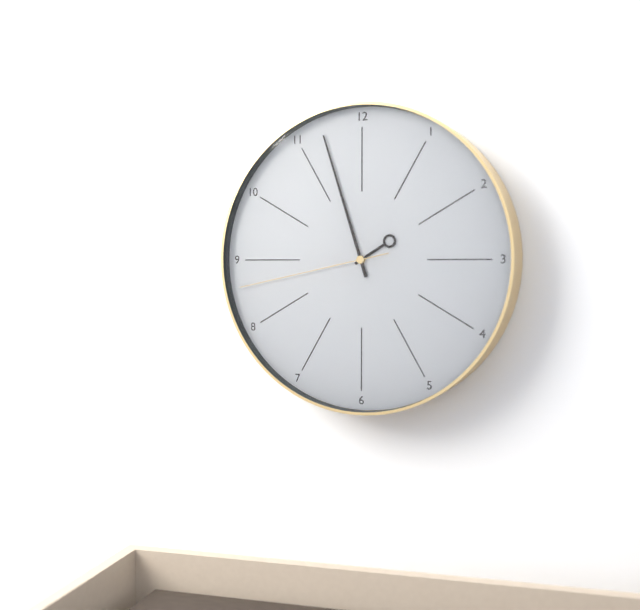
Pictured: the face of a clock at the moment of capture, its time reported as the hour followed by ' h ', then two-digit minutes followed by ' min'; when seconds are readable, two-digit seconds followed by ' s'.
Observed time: 1 h 57 min 43 s
